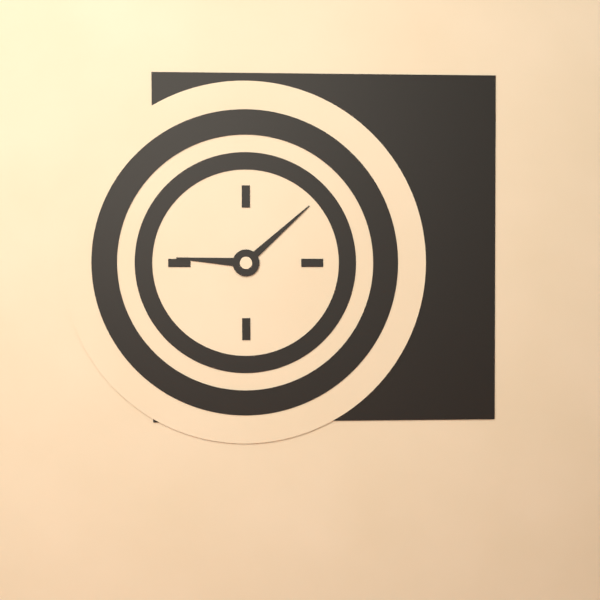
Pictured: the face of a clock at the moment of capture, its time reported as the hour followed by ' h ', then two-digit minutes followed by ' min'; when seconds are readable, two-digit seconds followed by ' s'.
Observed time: 9 h 08 min
